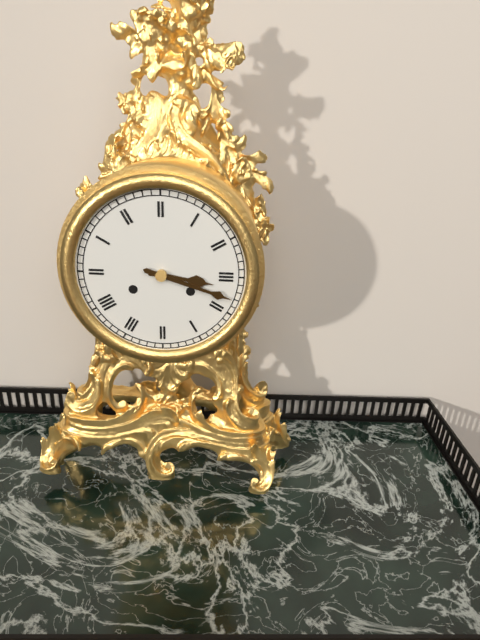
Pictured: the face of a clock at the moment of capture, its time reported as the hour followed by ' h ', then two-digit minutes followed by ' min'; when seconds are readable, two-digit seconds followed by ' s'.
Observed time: 3 h 18 min
